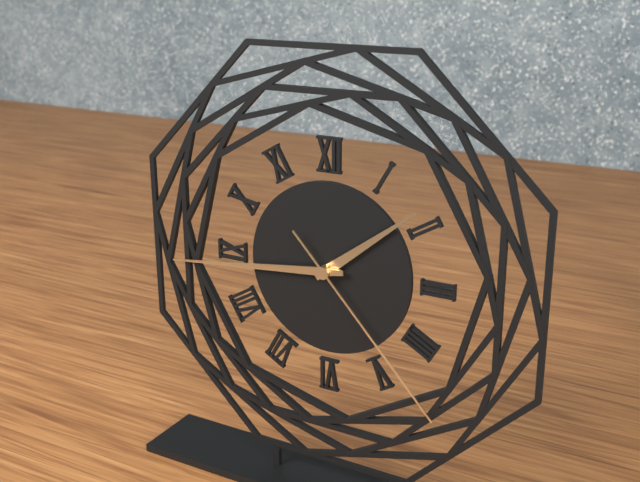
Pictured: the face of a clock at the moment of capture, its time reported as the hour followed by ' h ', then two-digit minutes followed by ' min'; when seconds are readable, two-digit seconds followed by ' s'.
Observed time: 1 h 44 min 23 s
